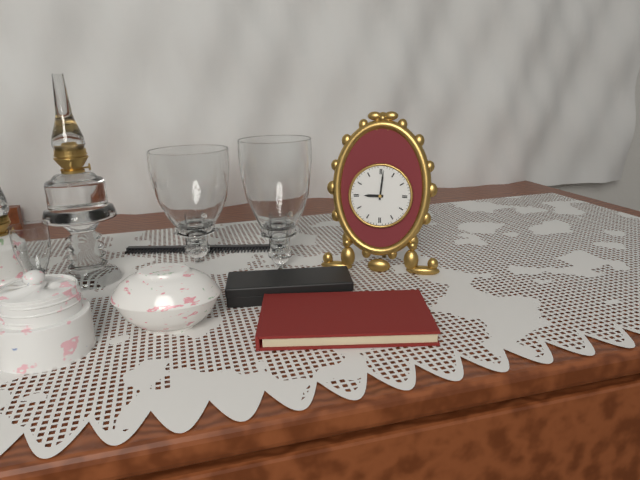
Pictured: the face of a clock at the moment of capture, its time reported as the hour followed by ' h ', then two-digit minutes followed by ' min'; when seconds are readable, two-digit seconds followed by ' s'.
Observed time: 9 h 01 min
